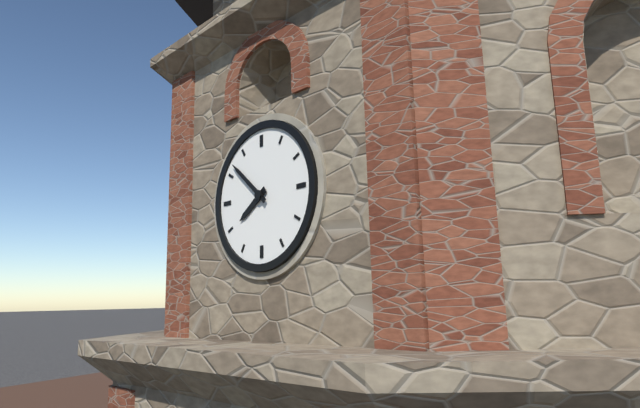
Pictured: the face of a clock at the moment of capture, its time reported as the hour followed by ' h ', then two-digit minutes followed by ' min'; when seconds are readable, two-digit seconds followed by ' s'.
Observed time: 7 h 52 min
